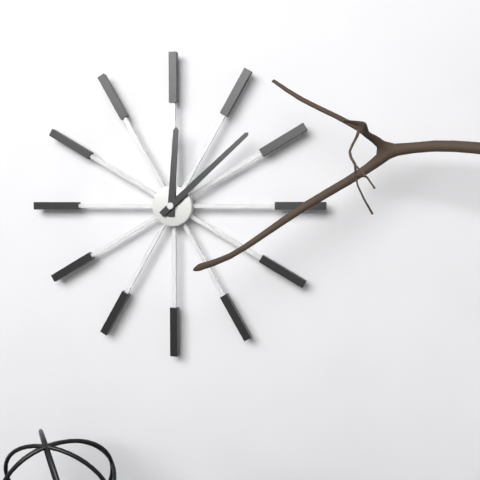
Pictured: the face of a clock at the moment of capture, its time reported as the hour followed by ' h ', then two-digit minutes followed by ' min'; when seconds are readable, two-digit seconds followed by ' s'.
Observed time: 12 h 08 min
